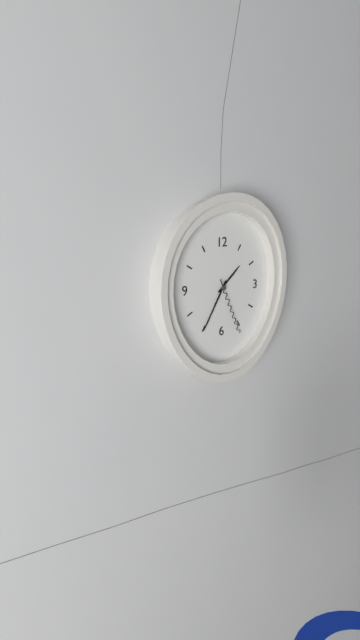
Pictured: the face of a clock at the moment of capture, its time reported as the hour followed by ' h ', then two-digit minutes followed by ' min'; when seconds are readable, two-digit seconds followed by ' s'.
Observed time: 1 h 35 min 26 s
